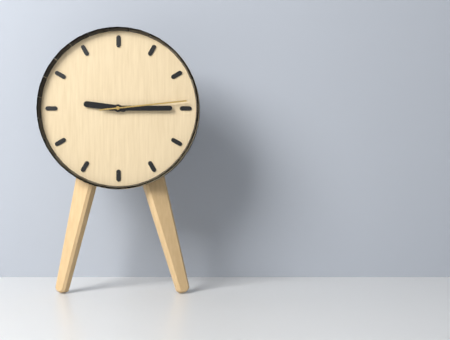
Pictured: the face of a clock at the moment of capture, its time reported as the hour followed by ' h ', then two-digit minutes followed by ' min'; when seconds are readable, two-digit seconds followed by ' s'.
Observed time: 9 h 15 min 14 s
